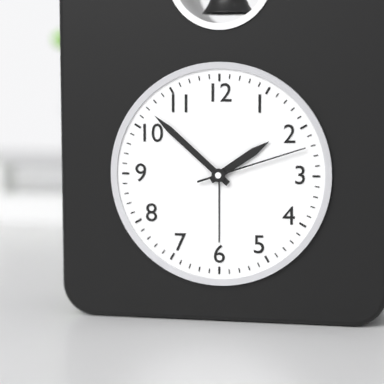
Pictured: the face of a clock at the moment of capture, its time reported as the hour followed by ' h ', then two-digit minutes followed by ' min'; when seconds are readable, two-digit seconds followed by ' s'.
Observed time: 1 h 52 min 12 s
